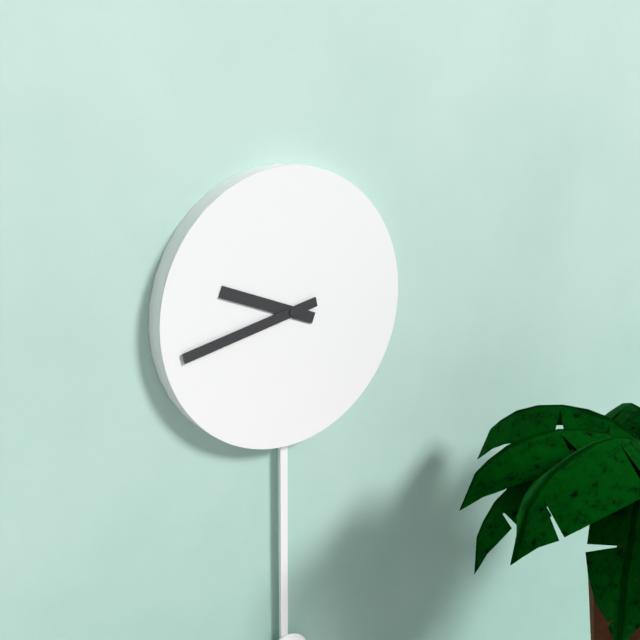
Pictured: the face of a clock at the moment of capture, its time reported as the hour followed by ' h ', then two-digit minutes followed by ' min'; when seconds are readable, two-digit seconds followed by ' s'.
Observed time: 9 h 43 min
